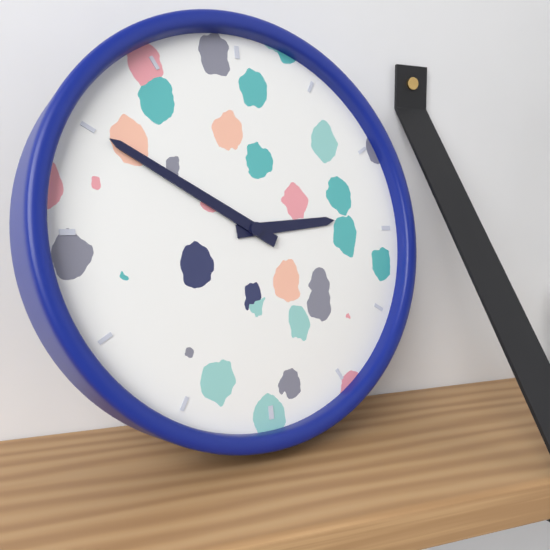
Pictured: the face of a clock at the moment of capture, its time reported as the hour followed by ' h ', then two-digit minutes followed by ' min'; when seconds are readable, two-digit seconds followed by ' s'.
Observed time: 2 h 50 min
